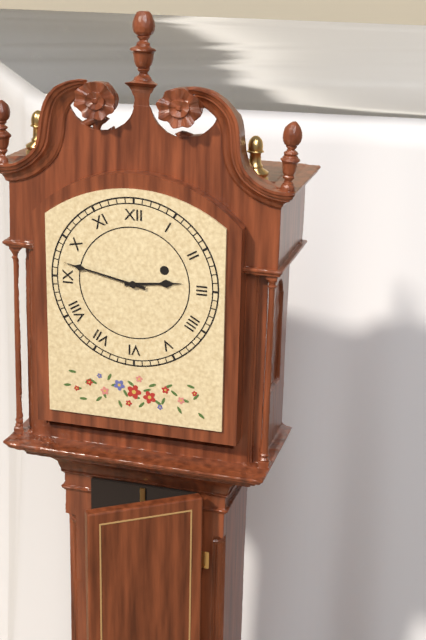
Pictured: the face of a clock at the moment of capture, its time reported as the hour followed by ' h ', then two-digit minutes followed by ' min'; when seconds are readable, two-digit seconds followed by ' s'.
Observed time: 2 h 47 min
